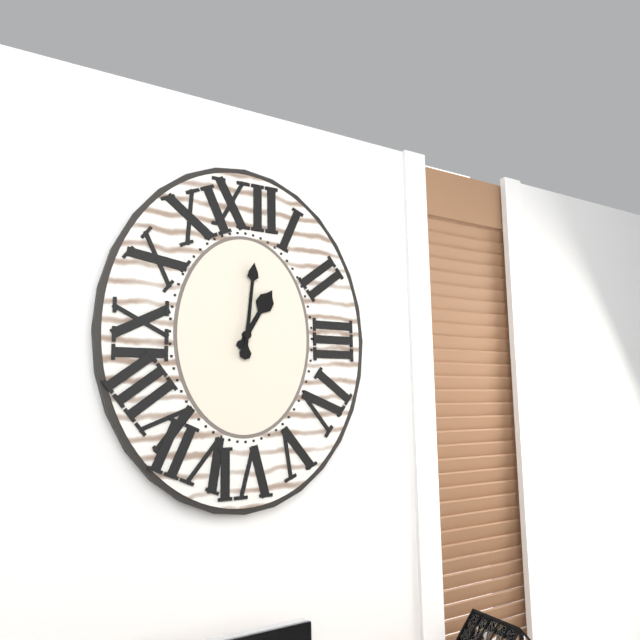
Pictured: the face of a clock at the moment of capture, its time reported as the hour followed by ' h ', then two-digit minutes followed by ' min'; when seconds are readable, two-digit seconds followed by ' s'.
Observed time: 1 h 01 min
